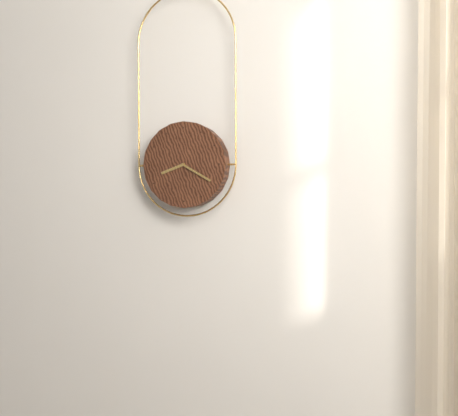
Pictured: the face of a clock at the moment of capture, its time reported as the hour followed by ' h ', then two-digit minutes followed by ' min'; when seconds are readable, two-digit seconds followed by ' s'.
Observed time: 8 h 20 min
